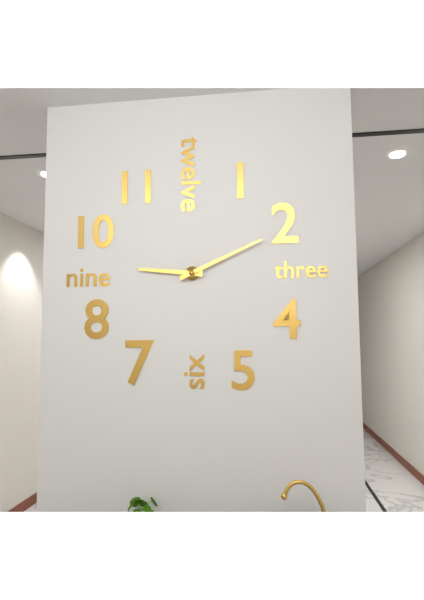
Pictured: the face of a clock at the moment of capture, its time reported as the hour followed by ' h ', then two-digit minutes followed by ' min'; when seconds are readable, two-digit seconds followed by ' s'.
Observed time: 9 h 11 min
